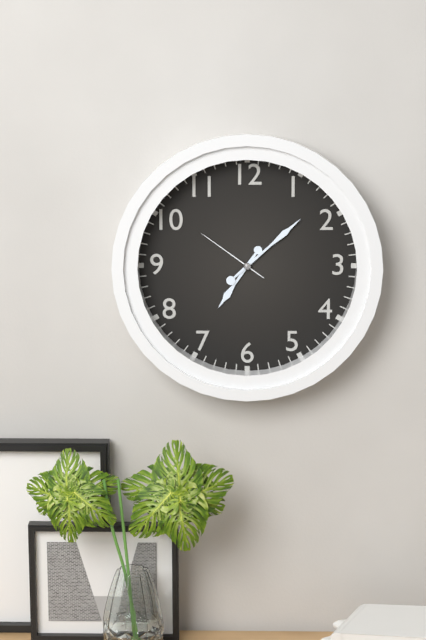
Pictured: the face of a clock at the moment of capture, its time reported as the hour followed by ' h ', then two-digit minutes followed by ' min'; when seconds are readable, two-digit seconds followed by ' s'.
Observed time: 7 h 08 min 51 s
